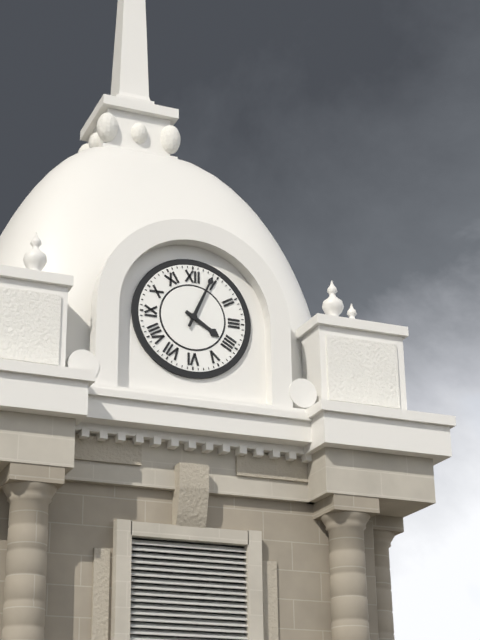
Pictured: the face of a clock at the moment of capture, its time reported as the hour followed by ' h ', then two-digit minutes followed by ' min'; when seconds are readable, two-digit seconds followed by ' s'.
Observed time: 4 h 04 min
